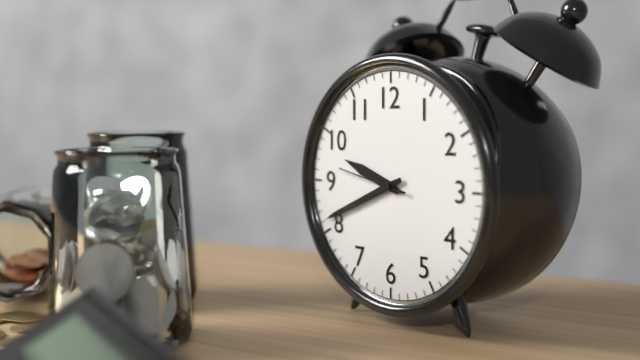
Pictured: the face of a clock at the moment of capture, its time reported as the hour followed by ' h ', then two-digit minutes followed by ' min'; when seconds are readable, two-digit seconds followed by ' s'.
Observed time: 9 h 41 min 47 s
